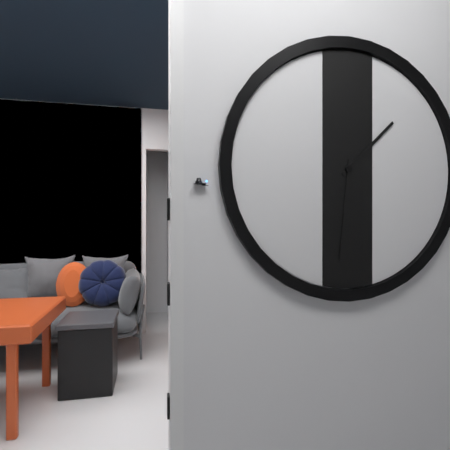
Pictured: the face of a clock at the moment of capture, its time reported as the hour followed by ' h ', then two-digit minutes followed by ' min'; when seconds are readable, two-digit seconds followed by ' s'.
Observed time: 1 h 31 min
